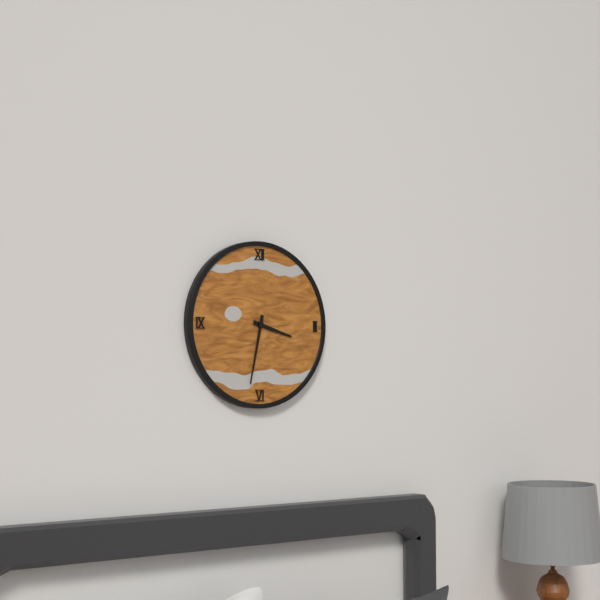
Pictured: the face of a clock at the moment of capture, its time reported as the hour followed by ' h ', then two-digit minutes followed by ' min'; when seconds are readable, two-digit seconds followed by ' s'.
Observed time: 3 h 32 min
